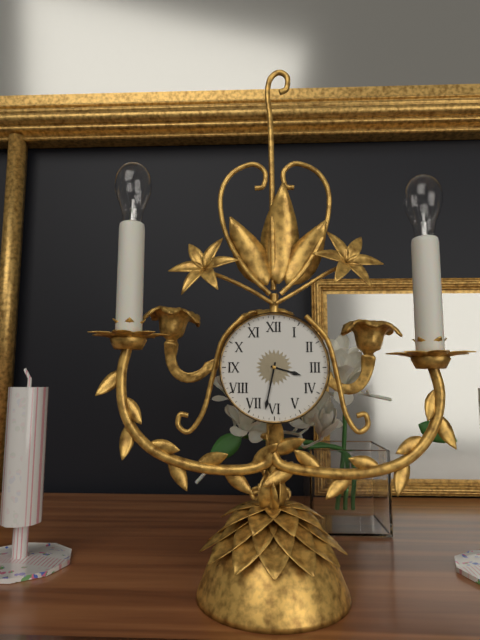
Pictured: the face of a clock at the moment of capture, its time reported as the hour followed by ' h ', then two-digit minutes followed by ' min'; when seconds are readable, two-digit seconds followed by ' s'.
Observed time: 3 h 32 min
